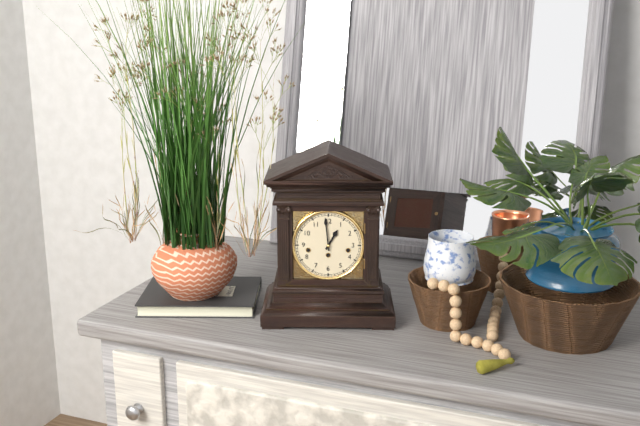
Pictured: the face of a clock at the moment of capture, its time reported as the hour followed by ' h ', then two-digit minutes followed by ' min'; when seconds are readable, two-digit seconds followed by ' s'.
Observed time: 12 h 59 min
